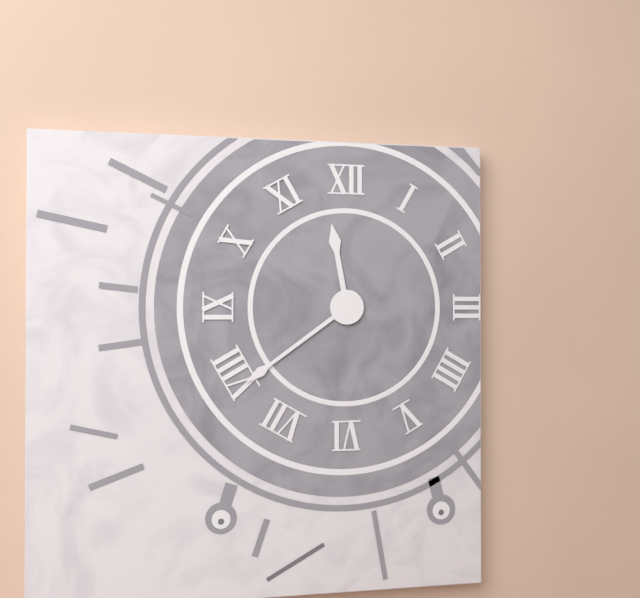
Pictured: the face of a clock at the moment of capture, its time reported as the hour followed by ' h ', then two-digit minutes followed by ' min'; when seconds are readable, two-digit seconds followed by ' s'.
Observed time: 11 h 39 min
